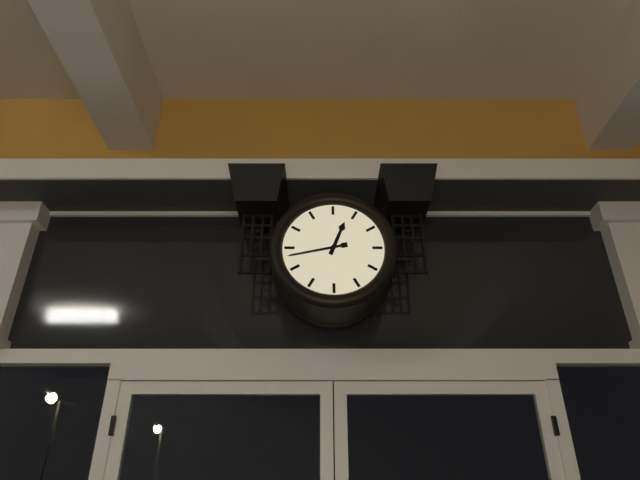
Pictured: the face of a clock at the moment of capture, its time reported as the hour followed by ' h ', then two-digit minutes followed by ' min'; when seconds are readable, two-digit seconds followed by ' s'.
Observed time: 12 h 43 min
